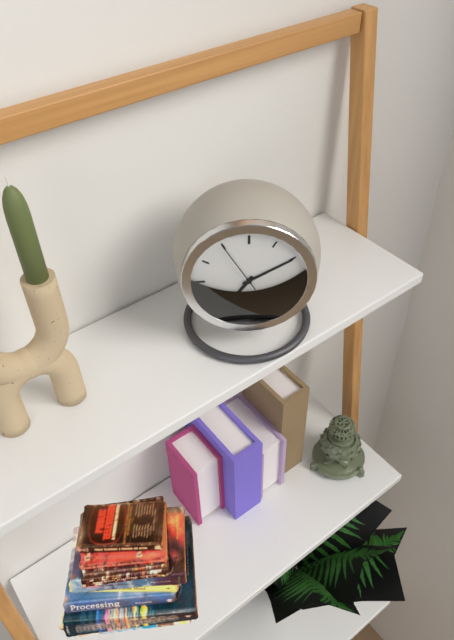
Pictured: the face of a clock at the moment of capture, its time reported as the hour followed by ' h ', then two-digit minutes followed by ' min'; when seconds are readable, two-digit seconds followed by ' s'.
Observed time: 7 h 10 min 55 s
